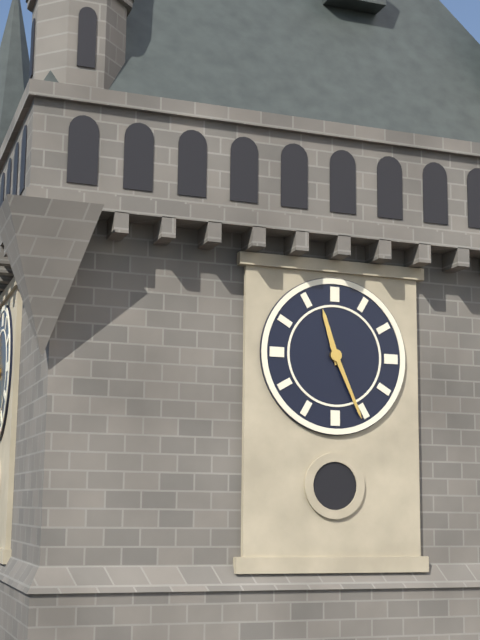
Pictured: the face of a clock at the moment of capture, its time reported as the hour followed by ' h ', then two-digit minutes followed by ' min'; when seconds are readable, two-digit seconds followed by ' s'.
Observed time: 11 h 26 min
